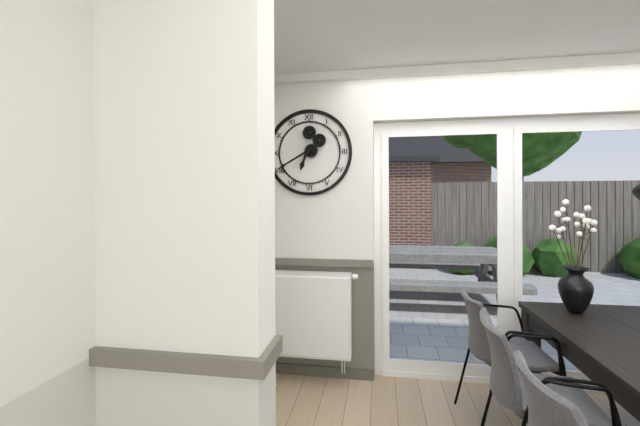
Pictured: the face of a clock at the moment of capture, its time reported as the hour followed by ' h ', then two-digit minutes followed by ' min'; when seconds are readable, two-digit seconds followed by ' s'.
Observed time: 6 h 40 min
